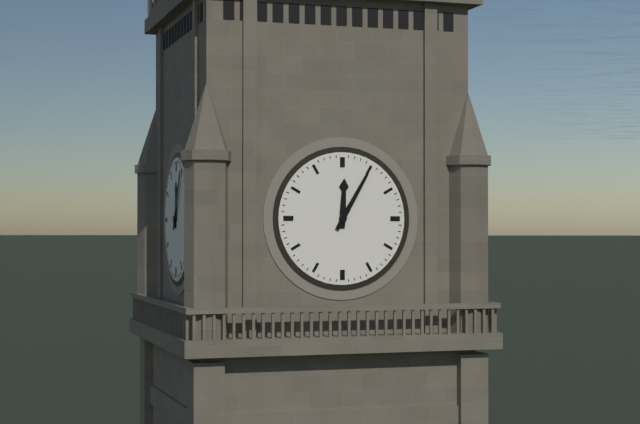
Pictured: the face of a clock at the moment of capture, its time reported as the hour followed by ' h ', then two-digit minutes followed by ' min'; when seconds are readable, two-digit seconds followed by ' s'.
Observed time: 12 h 05 min
